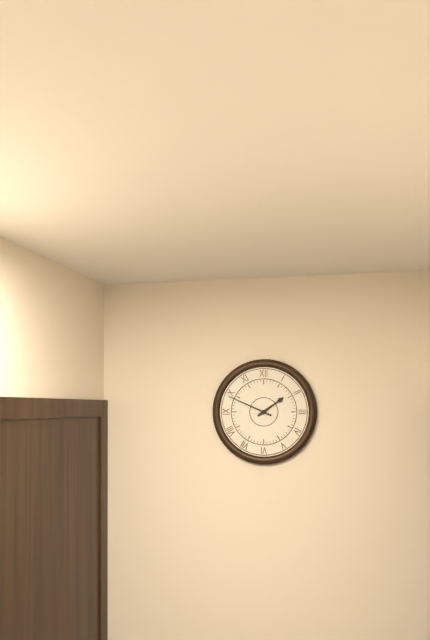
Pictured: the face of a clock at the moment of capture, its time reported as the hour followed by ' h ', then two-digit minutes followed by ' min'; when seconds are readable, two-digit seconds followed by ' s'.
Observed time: 1 h 49 min
